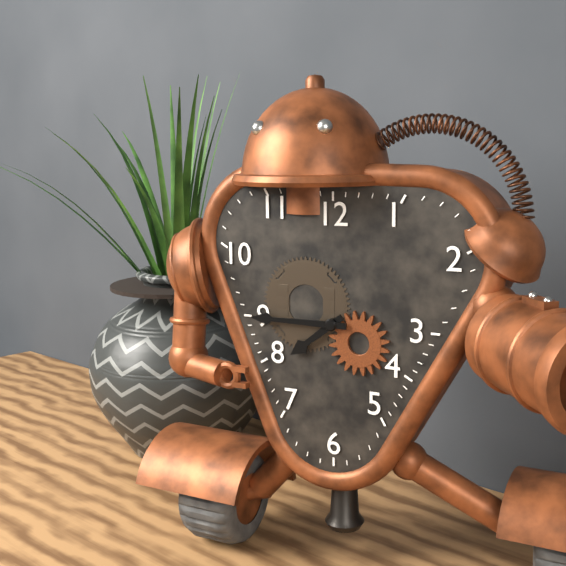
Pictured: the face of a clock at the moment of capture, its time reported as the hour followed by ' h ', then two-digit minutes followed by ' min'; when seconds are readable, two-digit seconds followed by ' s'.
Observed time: 7 h 45 min
